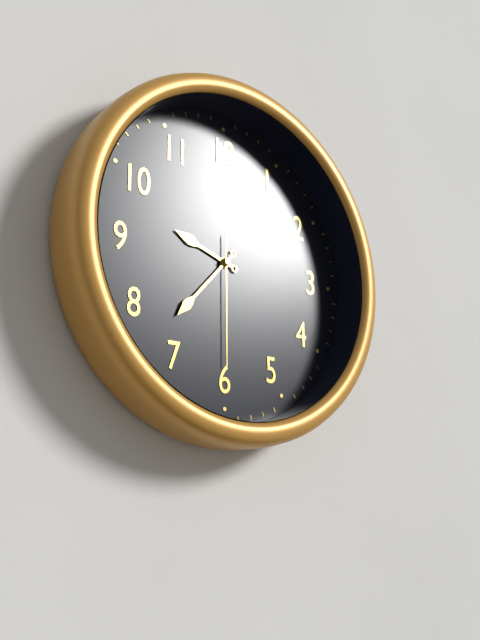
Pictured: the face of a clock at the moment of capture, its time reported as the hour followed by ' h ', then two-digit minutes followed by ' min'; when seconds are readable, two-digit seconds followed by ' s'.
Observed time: 9 h 37 min 30 s
